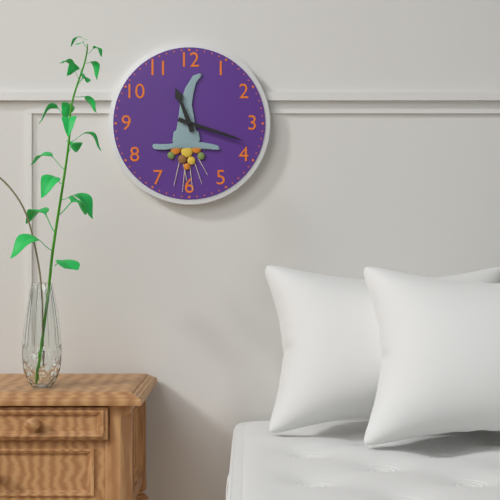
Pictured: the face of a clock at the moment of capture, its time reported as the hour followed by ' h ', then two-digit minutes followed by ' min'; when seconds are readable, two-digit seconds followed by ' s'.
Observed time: 11 h 18 min
